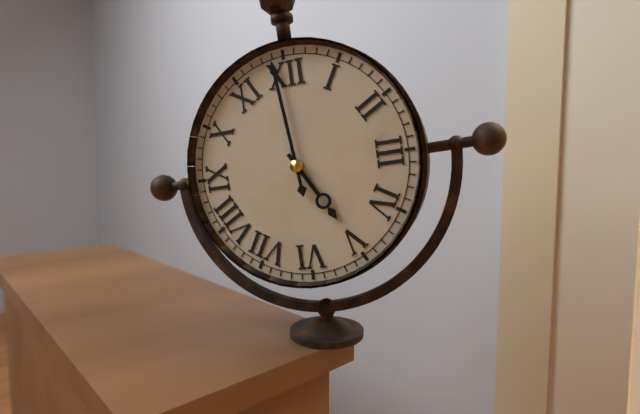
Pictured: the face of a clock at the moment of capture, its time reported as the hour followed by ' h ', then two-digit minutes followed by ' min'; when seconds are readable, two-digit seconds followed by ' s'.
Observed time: 4 h 59 min
